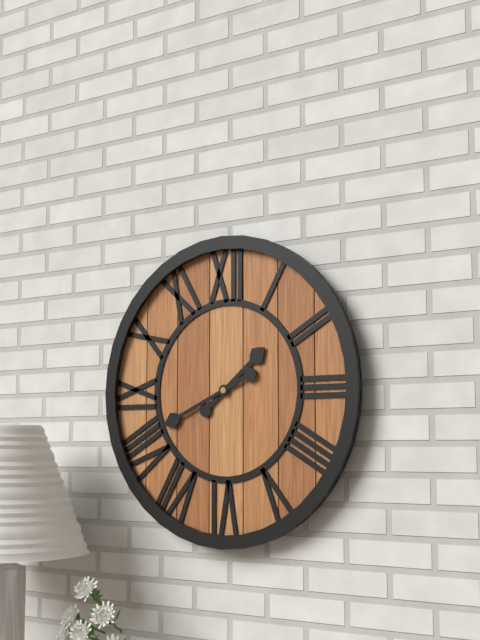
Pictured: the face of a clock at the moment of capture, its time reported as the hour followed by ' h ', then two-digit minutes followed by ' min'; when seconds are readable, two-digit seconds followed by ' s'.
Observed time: 1 h 41 min
